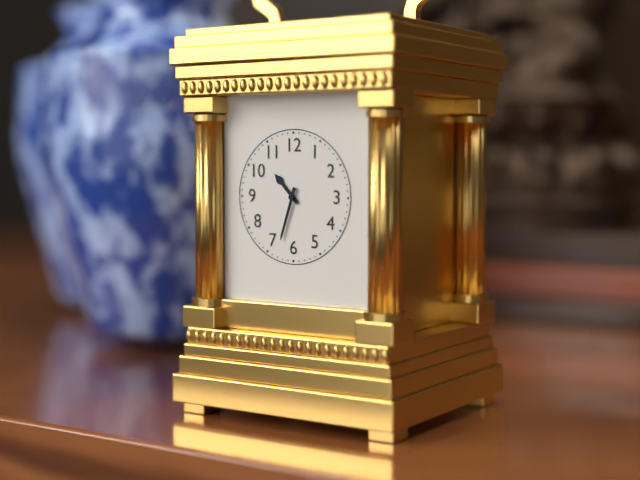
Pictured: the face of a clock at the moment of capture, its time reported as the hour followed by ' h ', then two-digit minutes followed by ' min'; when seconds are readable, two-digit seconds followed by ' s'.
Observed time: 10 h 33 min
